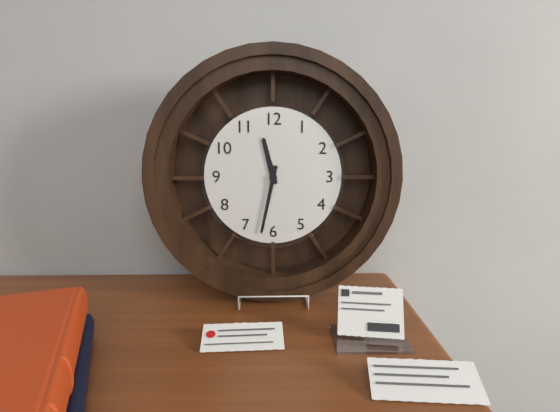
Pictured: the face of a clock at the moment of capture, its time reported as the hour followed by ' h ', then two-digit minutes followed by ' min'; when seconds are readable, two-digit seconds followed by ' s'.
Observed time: 11 h 32 min
